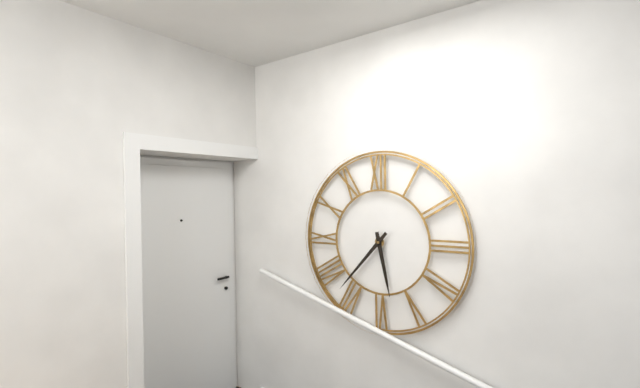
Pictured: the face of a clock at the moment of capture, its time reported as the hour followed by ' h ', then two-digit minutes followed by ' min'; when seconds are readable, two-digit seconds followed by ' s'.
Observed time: 5 h 37 min
